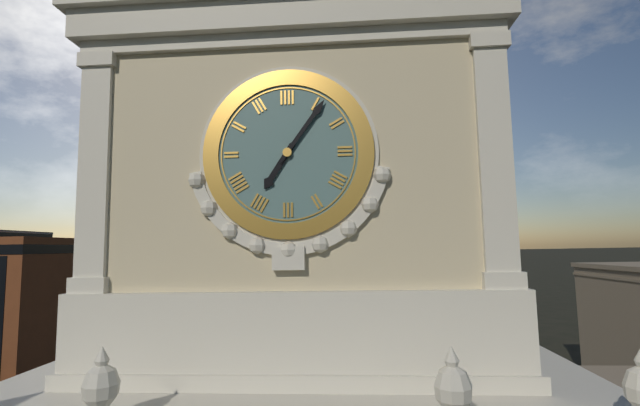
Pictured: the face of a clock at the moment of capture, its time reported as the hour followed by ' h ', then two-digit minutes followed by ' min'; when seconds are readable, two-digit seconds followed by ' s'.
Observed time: 7 h 06 min
